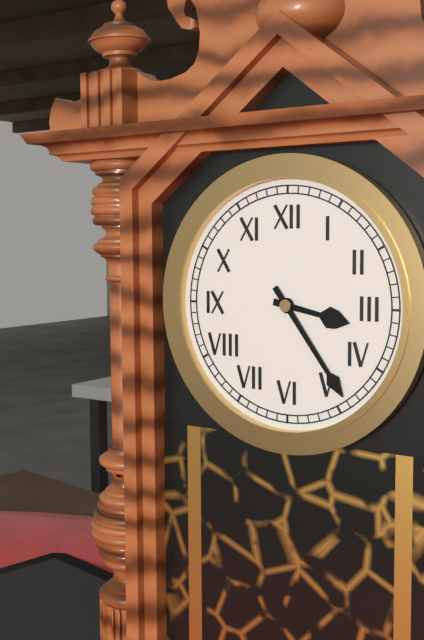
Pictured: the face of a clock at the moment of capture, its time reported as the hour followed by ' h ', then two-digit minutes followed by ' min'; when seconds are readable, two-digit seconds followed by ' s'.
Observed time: 3 h 24 min
